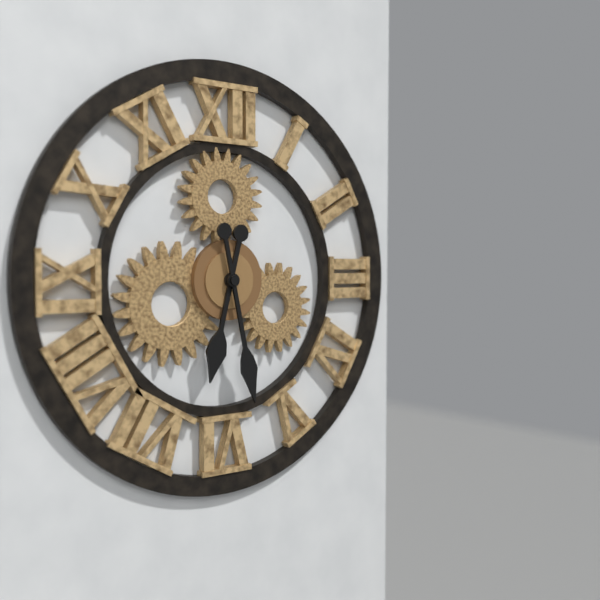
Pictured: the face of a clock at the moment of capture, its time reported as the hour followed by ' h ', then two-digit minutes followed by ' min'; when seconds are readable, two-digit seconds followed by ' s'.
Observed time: 6 h 28 min
